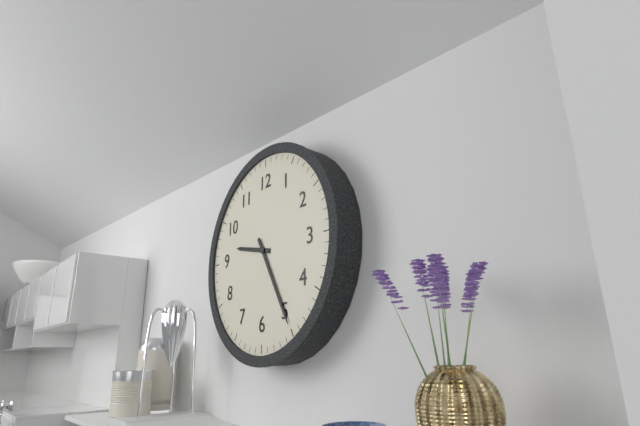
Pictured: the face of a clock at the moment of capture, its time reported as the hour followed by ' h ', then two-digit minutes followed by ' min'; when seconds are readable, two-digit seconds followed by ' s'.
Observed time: 9 h 25 min
